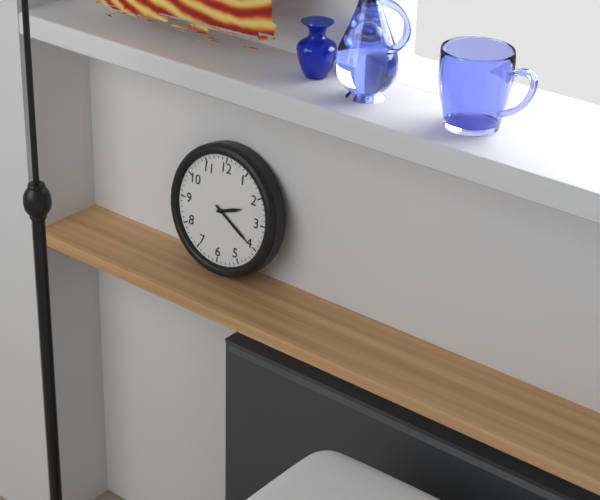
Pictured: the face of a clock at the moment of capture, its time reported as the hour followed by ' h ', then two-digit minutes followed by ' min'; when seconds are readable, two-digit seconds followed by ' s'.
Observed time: 2 h 20 min
